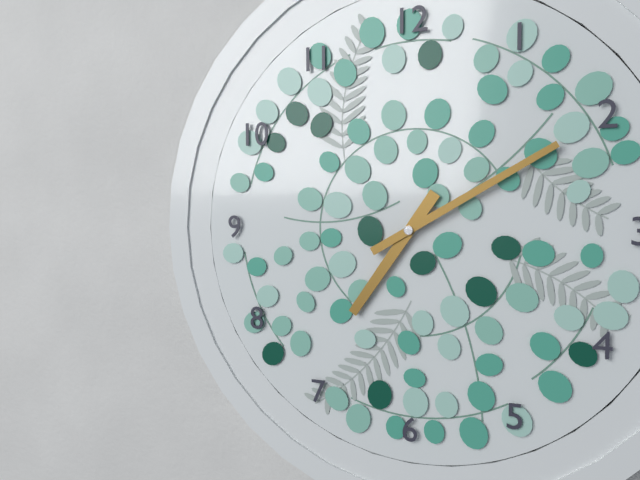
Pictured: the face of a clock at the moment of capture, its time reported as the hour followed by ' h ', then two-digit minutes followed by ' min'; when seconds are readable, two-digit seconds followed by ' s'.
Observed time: 7 h 10 min
